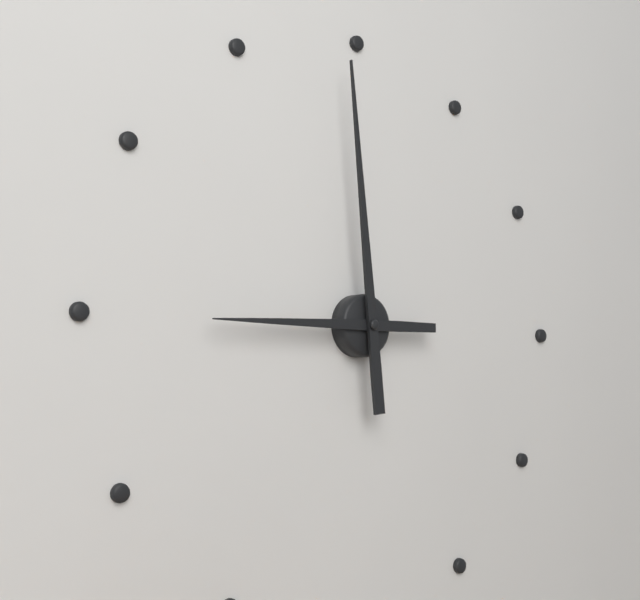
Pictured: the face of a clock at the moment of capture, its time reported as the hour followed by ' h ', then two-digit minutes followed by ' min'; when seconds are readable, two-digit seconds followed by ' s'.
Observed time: 8 h 59 min
